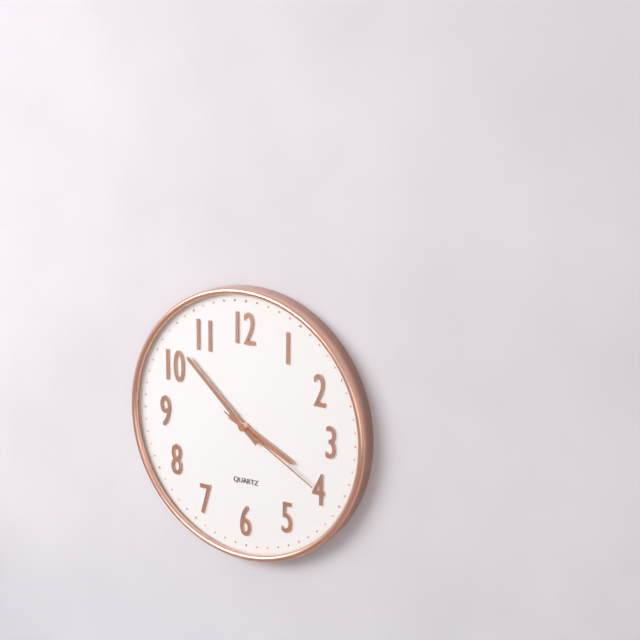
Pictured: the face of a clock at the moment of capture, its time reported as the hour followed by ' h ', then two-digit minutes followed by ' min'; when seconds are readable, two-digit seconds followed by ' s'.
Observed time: 3 h 52 min 20 s
